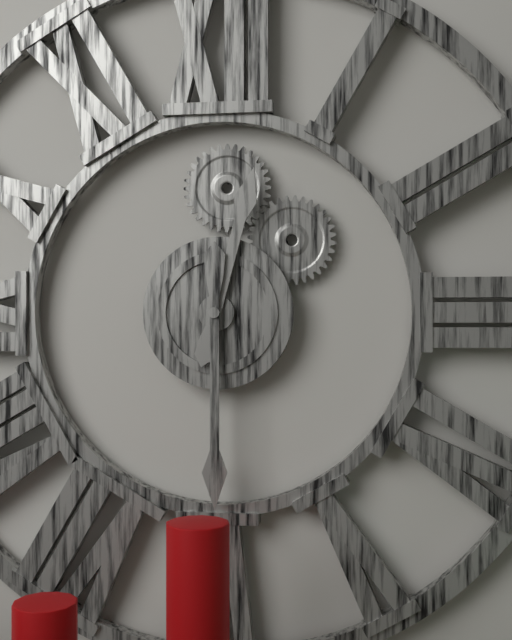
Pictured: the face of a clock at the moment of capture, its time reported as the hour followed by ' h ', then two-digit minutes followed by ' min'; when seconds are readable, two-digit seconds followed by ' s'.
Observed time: 12 h 30 min
